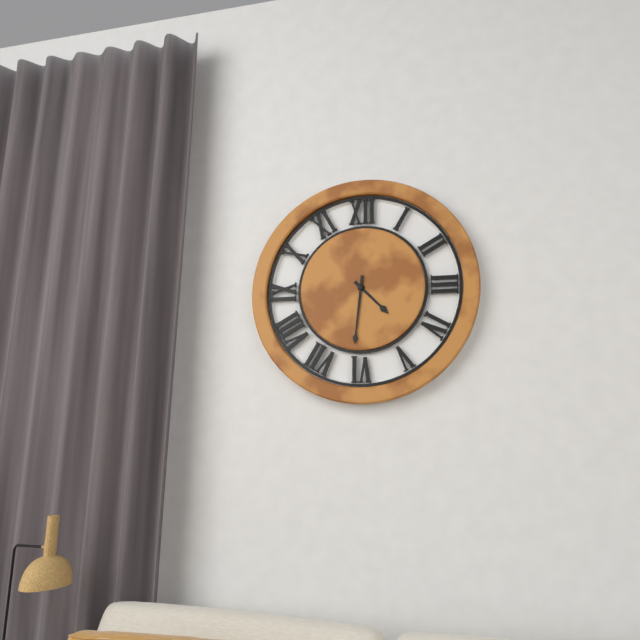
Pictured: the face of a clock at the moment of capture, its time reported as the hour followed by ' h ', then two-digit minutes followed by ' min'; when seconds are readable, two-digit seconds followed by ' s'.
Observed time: 4 h 31 min
